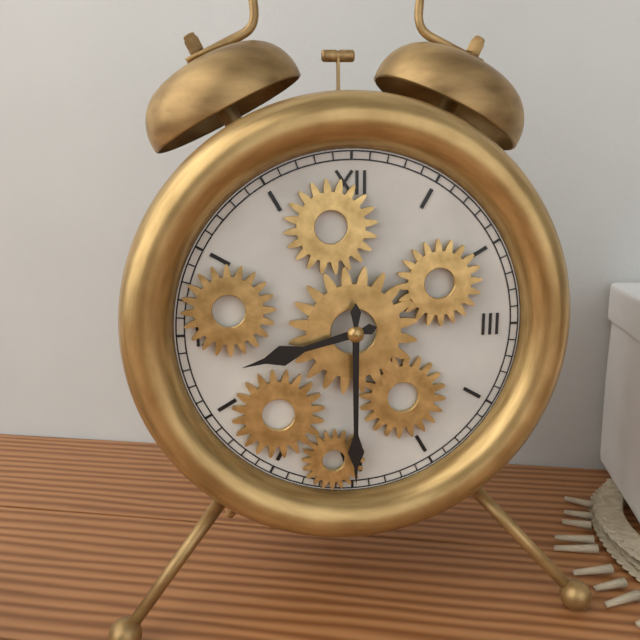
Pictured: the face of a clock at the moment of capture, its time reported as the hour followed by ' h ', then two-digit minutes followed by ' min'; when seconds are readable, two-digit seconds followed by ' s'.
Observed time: 8 h 30 min
